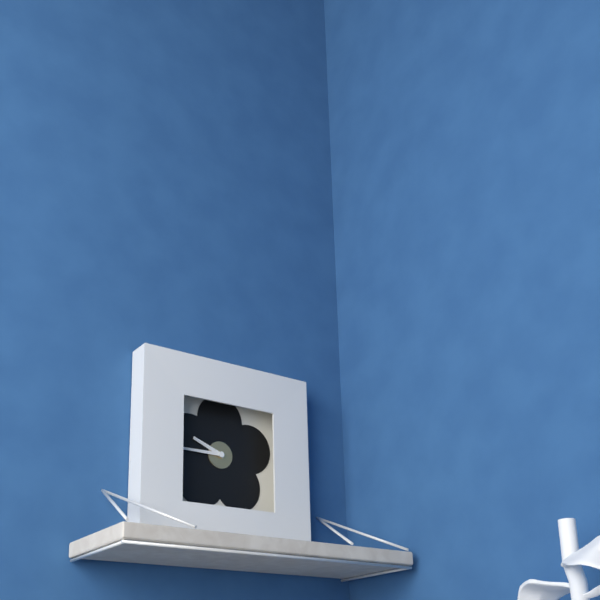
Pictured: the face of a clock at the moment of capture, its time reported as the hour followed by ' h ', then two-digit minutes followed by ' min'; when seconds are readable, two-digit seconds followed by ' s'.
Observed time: 9 h 45 min
